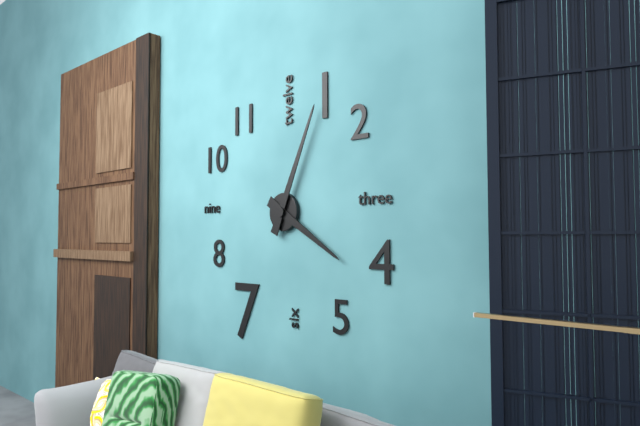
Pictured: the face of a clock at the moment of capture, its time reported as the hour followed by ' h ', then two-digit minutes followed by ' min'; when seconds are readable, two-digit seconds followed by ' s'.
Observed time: 4 h 04 min
